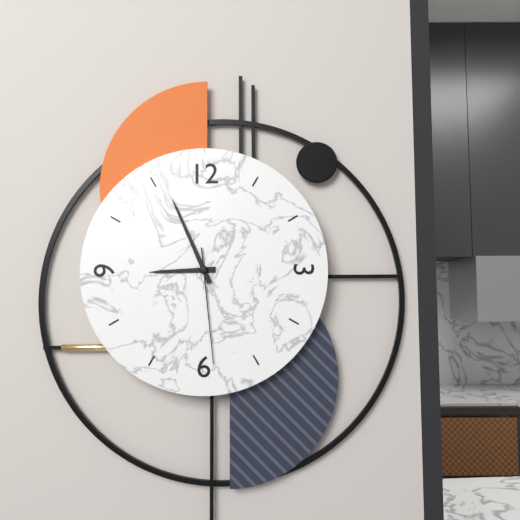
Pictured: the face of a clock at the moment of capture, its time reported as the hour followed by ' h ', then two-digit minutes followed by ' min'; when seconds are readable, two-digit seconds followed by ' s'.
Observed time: 8 h 56 min 29 s
